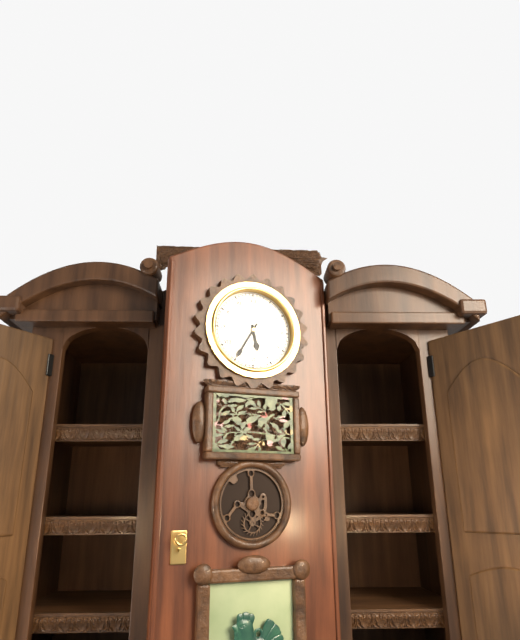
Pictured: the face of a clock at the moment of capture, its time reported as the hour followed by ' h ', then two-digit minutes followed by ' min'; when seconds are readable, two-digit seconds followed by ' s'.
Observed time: 5 h 35 min
